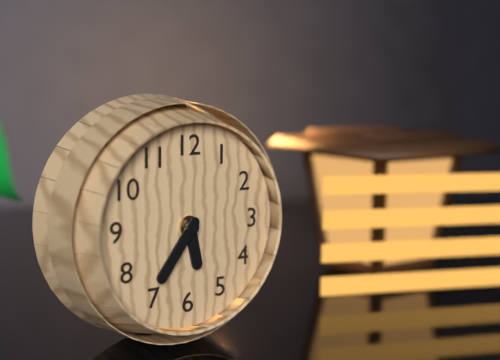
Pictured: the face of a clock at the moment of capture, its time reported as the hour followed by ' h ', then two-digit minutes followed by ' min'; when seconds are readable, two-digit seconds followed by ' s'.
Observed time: 5 h 36 min
